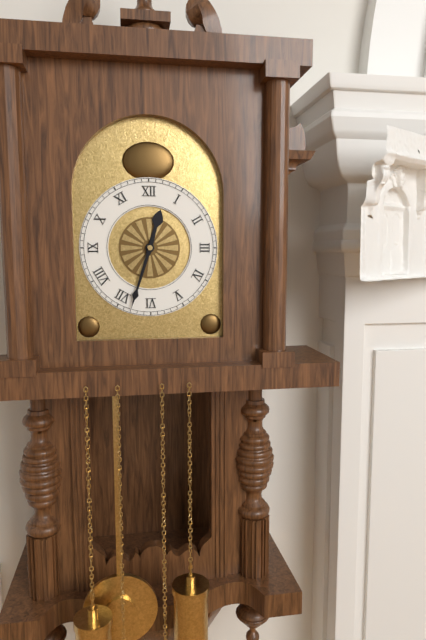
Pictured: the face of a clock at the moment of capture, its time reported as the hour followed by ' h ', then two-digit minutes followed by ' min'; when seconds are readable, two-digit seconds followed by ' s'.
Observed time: 12 h 33 min
